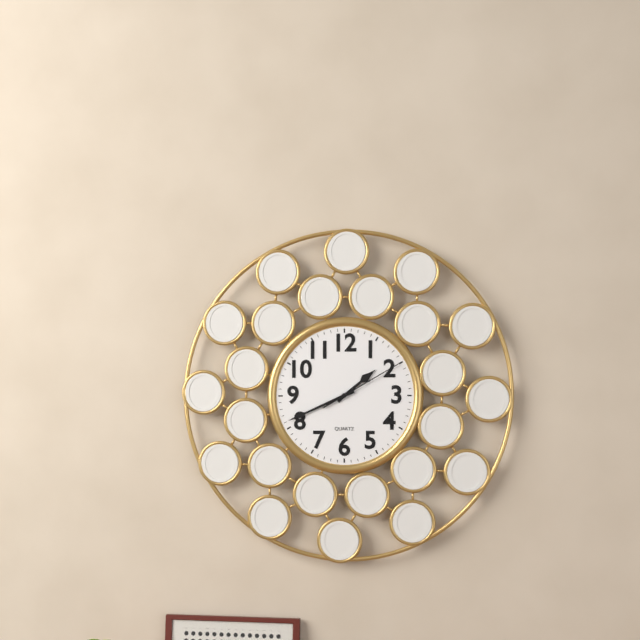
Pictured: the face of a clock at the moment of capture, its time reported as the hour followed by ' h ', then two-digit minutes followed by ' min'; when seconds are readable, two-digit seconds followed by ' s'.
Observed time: 1 h 41 min 10 s
